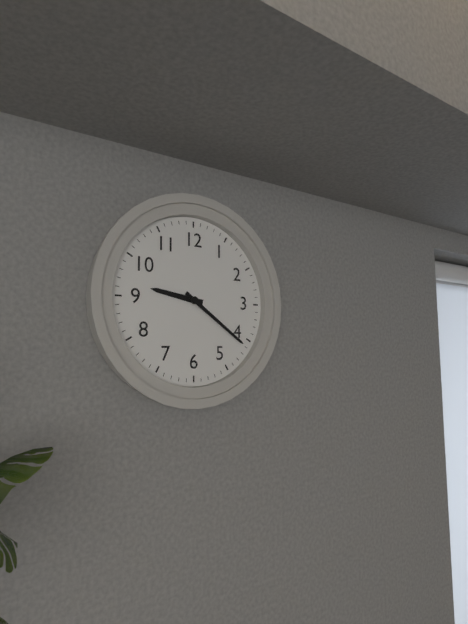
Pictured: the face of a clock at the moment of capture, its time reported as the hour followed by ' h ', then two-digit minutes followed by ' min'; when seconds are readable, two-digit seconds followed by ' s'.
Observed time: 9 h 21 min
